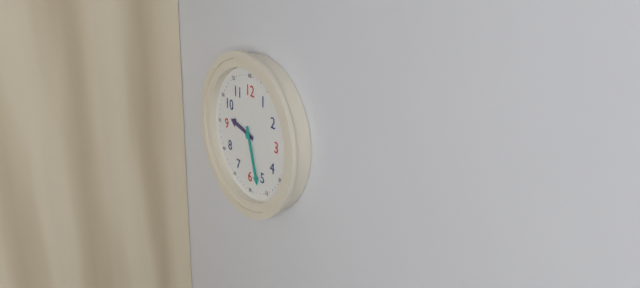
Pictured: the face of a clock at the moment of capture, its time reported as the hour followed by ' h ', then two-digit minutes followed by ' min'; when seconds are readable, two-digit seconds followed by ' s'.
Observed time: 9 h 27 min
